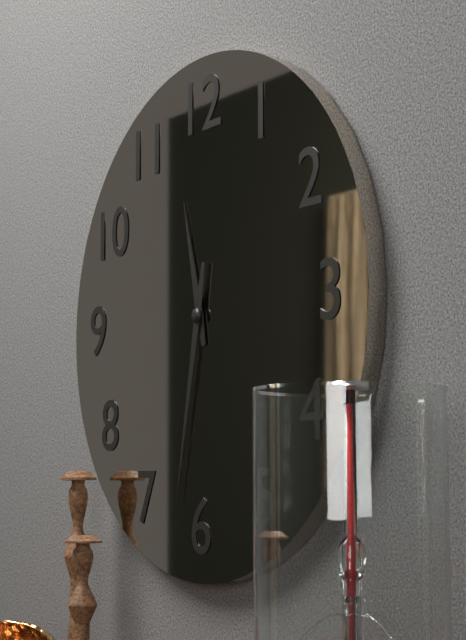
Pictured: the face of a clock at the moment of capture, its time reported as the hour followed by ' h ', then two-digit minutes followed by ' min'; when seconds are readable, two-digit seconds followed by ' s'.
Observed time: 11 h 32 min
